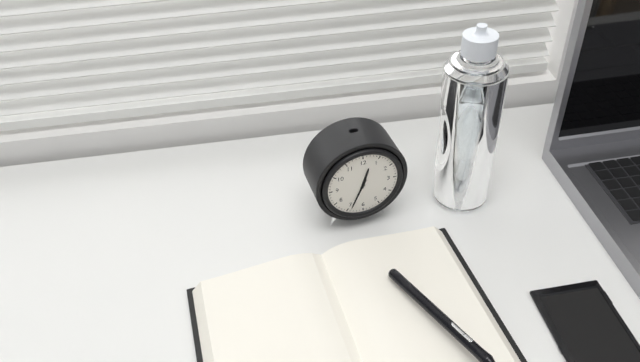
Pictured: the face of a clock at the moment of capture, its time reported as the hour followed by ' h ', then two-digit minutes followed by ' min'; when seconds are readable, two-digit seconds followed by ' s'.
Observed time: 12 h 34 min
